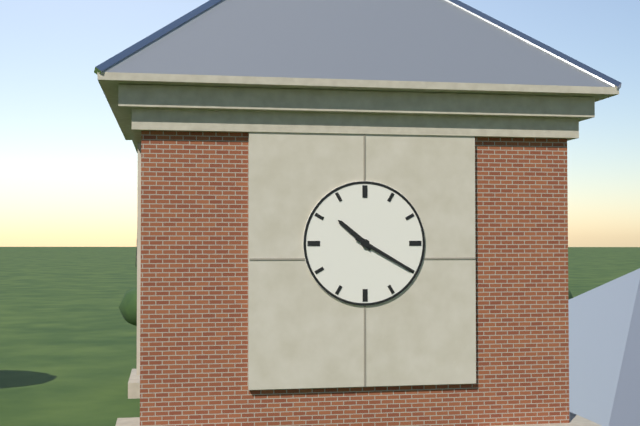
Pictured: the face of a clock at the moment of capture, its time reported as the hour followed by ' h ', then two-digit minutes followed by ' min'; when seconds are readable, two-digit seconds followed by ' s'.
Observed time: 10 h 20 min
